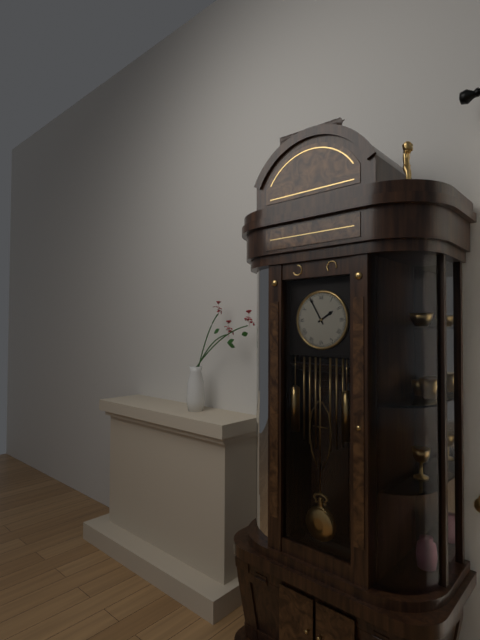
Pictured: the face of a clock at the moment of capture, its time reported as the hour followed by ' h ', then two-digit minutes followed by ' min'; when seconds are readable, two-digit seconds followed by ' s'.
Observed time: 1 h 55 min
